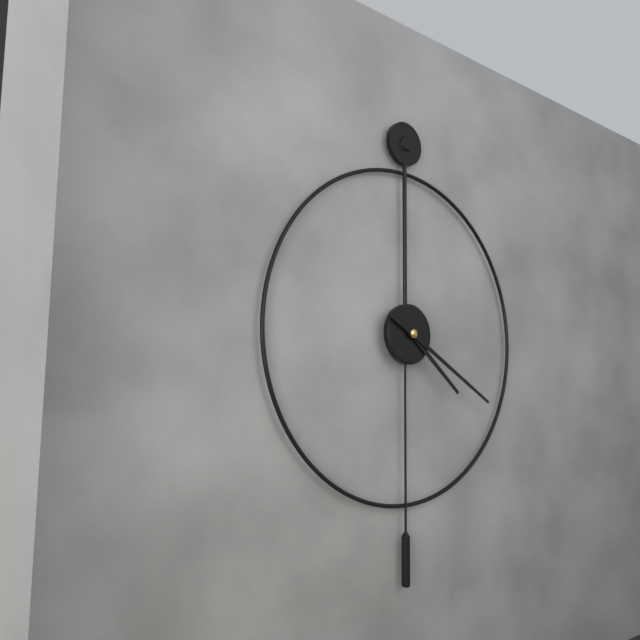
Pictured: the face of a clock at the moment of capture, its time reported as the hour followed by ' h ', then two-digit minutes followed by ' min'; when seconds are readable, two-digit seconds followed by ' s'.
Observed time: 4 h 20 min
